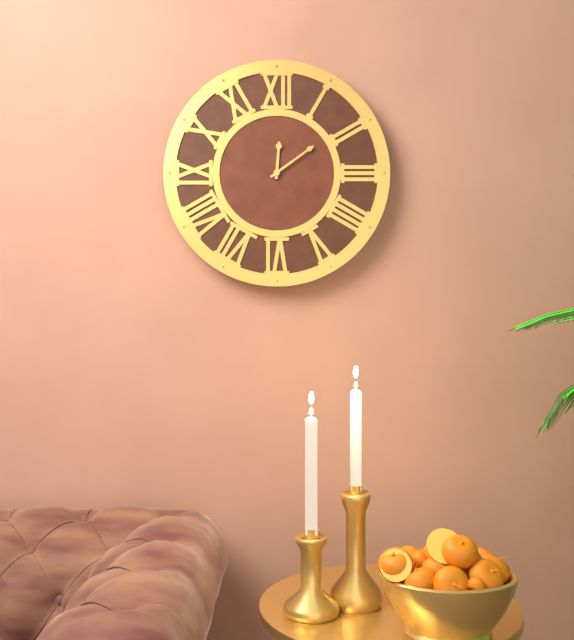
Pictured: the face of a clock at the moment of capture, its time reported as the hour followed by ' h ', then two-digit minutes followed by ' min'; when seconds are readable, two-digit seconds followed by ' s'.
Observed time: 12 h 09 min
